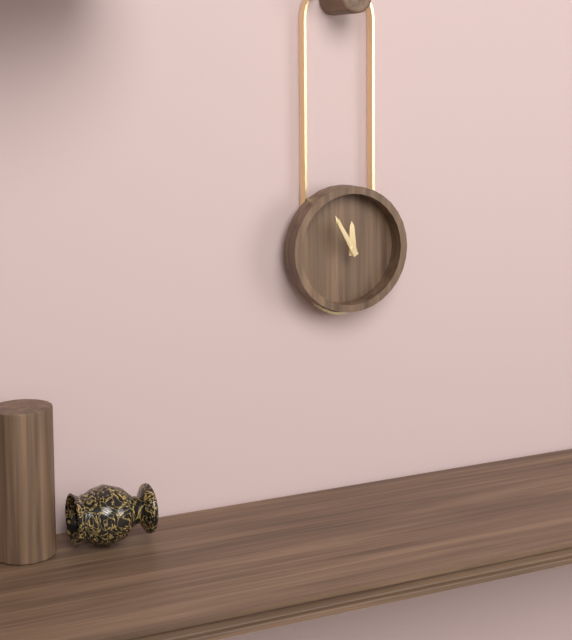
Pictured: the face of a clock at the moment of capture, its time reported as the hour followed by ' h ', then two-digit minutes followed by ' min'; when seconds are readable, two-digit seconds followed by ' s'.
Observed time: 11 h 55 min
